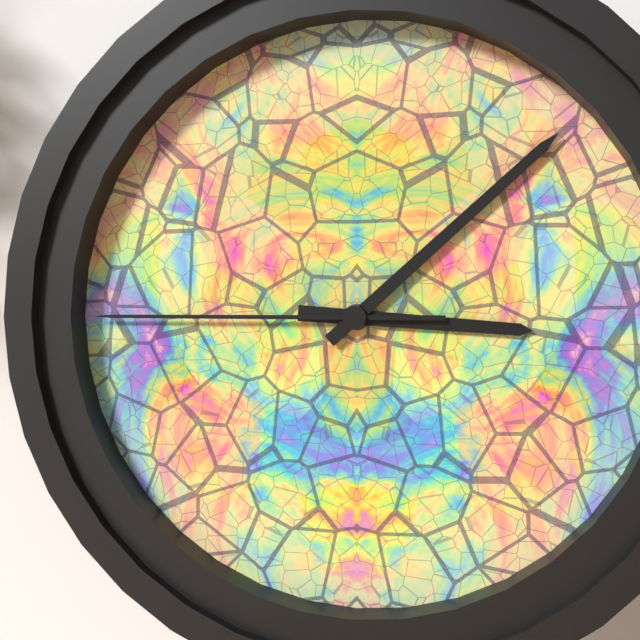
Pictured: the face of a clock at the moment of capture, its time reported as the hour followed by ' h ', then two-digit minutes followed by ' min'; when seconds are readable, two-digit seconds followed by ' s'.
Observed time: 3 h 08 min 45 s
